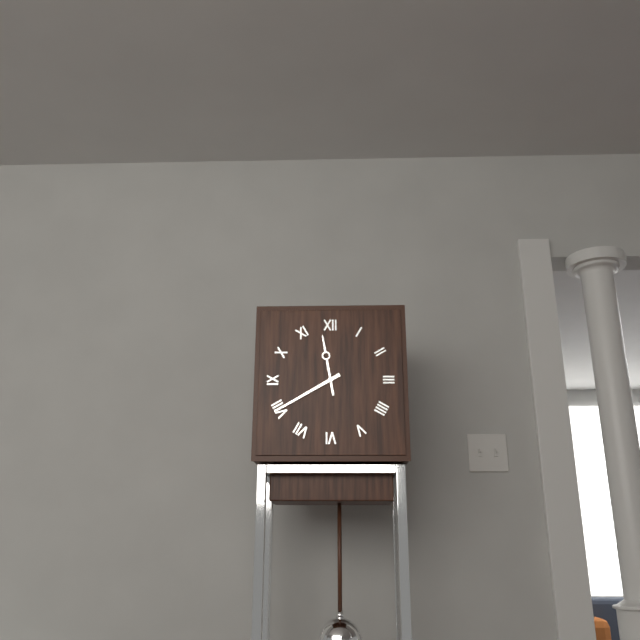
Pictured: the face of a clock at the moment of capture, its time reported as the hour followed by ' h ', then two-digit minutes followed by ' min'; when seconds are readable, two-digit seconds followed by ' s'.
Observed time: 11 h 40 min
